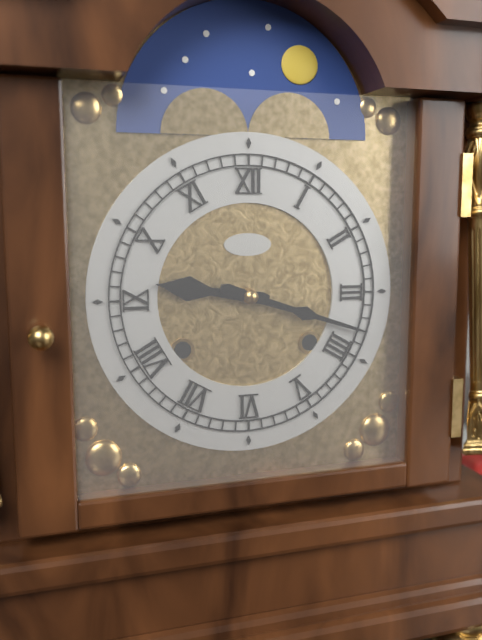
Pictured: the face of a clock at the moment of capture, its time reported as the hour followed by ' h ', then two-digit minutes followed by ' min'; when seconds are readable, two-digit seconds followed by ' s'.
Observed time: 9 h 18 min
